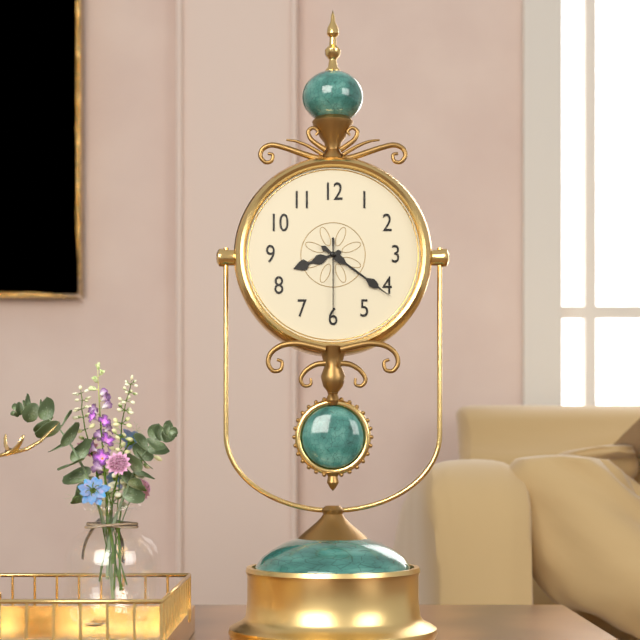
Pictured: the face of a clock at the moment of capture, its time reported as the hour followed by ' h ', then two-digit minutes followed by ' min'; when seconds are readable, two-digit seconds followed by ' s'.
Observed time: 8 h 21 min 30 s
